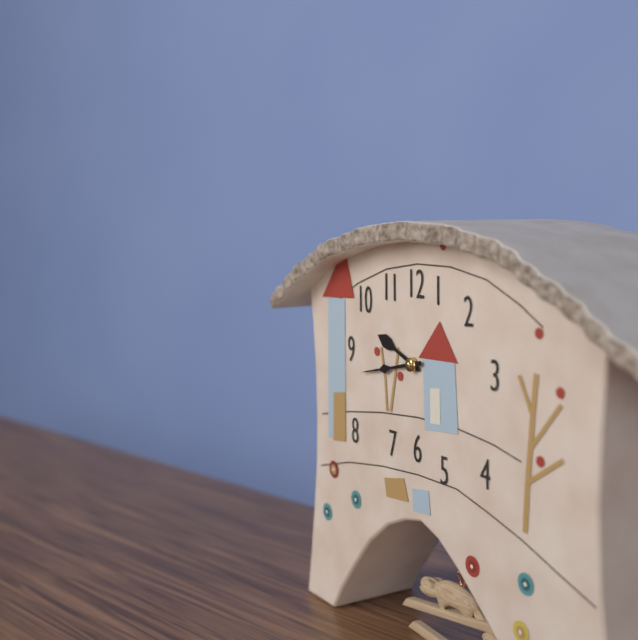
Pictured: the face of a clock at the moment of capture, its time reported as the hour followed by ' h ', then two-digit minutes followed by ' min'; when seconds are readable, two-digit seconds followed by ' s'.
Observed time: 9 h 43 min
